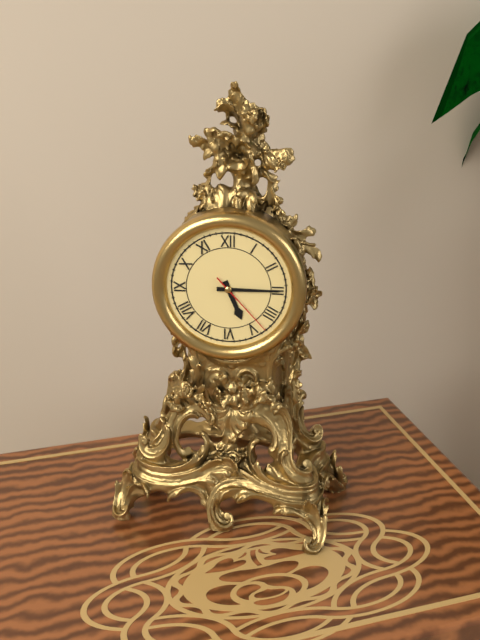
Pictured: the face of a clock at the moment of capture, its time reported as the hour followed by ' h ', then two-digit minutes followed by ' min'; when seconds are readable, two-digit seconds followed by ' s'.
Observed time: 5 h 15 min 23 s
